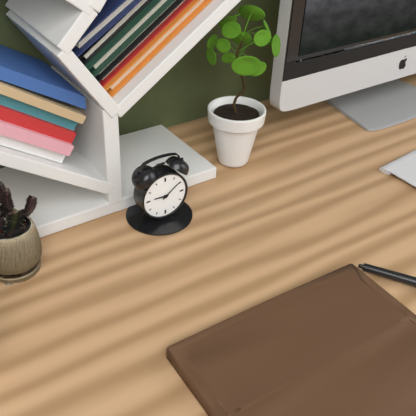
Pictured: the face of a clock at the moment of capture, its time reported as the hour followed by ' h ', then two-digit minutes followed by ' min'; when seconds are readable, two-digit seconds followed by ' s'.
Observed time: 9 h 09 min
